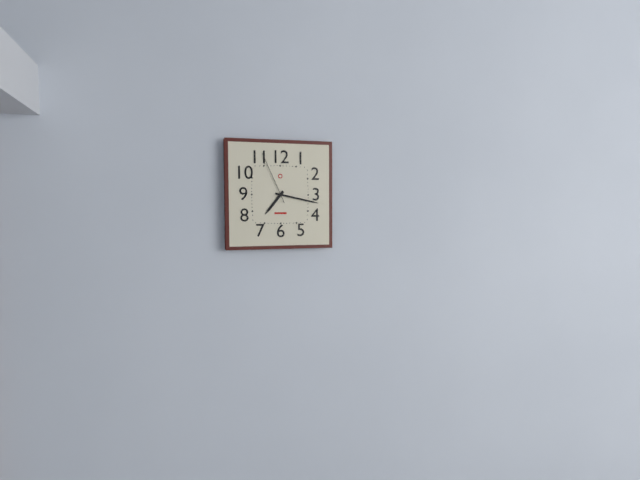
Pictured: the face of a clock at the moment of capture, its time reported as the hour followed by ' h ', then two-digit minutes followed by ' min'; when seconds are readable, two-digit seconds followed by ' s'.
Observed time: 7 h 17 min 56 s
